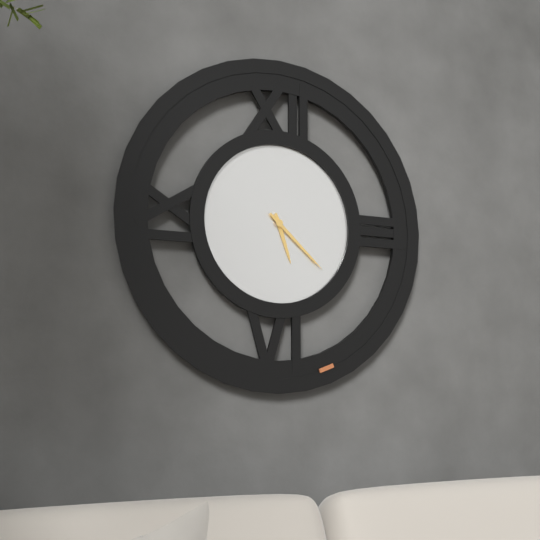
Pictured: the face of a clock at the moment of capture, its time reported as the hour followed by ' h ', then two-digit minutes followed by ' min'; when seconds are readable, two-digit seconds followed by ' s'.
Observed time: 5 h 22 min
